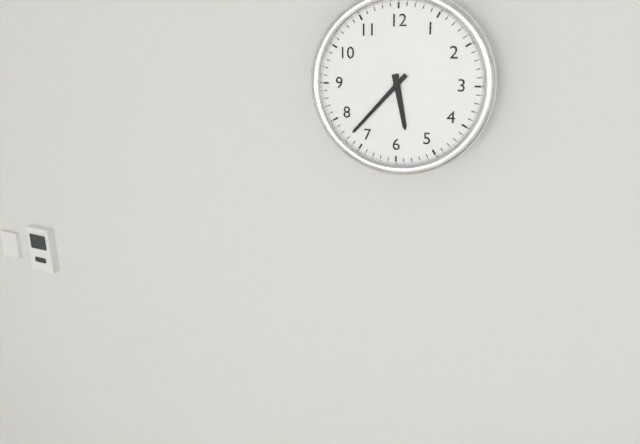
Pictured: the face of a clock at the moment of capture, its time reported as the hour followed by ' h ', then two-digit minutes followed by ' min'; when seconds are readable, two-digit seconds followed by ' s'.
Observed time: 5 h 37 min
